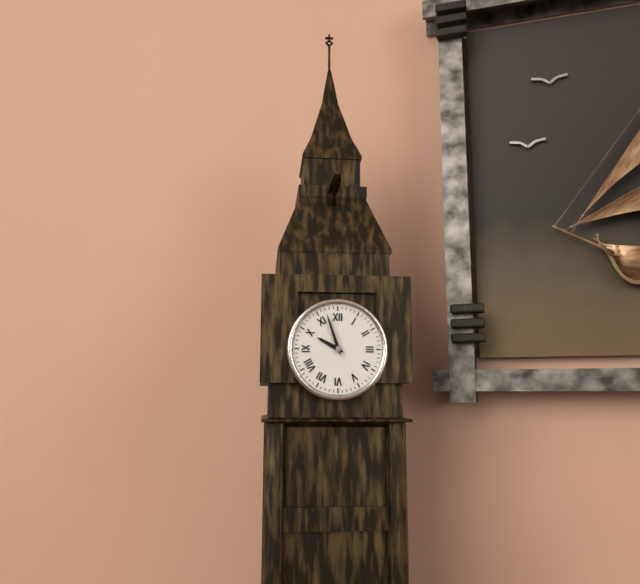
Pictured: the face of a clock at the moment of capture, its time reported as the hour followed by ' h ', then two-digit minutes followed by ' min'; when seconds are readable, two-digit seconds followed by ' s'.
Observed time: 9 h 57 min
